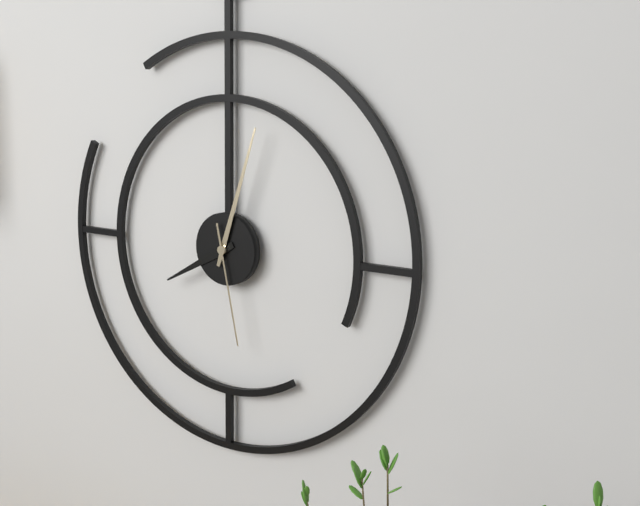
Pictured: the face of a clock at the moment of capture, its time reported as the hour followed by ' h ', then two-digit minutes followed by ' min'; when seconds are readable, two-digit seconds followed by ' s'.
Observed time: 8 h 03 min 28 s
